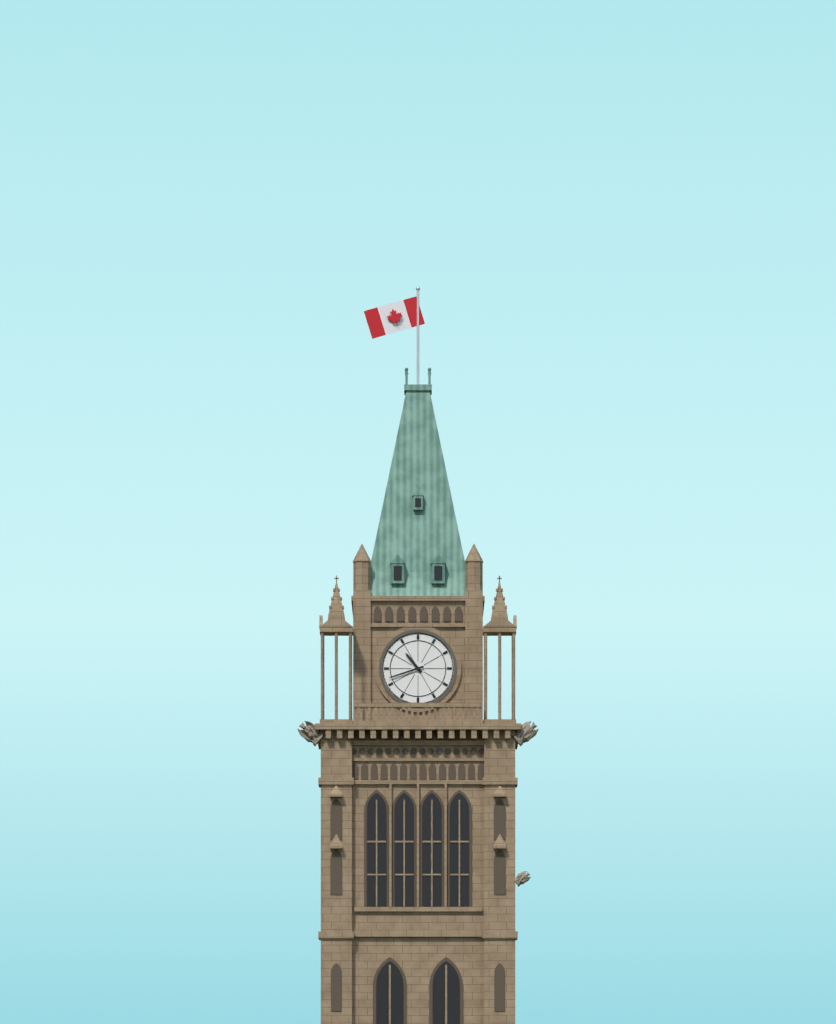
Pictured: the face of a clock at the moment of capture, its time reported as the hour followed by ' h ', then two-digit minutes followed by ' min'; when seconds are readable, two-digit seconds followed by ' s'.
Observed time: 10 h 42 min
